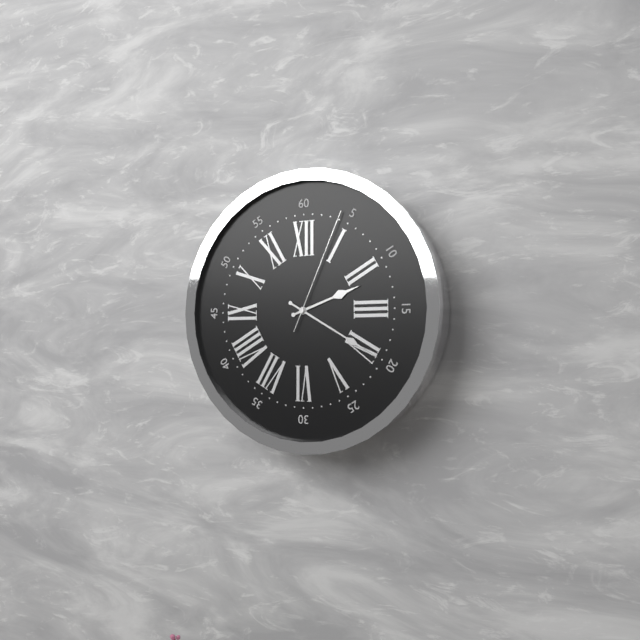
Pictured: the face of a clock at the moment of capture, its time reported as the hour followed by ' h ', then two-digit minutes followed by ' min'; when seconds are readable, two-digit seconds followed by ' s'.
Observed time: 2 h 20 min 04 s
